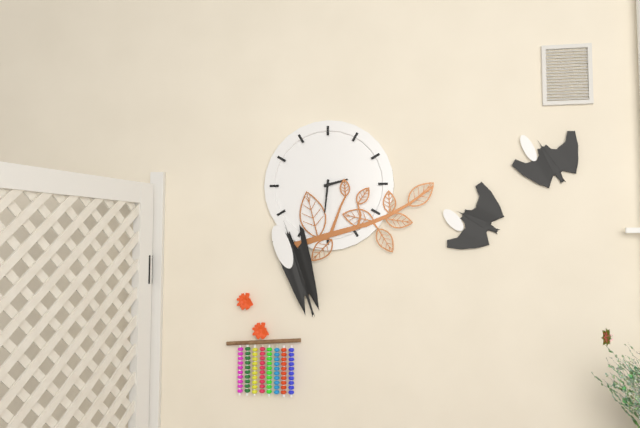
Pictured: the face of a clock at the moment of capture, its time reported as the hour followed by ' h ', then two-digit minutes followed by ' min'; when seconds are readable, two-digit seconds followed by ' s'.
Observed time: 2 h 31 min
